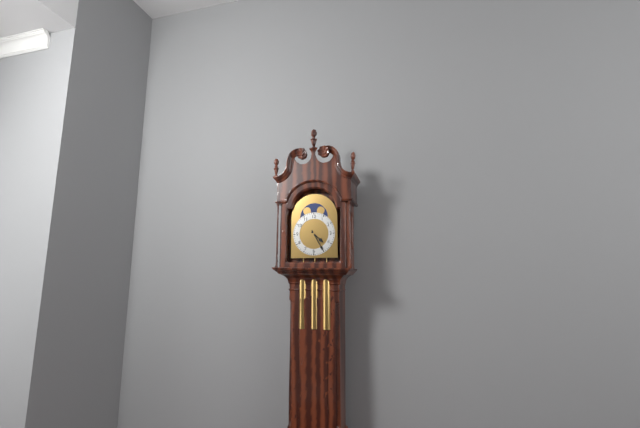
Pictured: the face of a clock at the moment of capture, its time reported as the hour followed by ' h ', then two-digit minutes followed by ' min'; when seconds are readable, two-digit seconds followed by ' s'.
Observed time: 4 h 25 min
